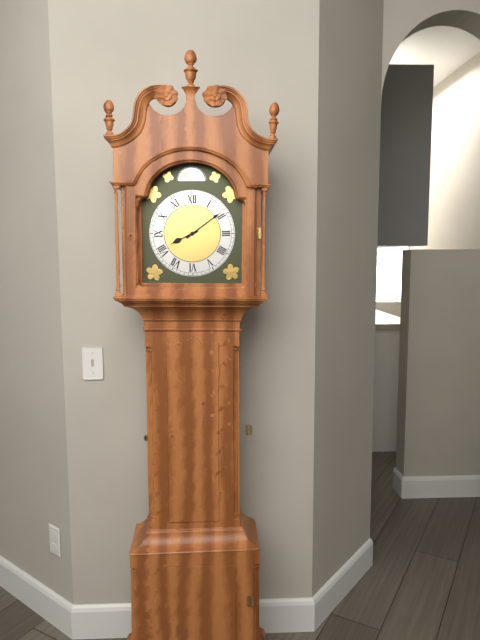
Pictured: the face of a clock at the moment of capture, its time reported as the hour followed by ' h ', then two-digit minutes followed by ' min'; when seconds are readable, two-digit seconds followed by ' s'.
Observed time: 8 h 09 min
